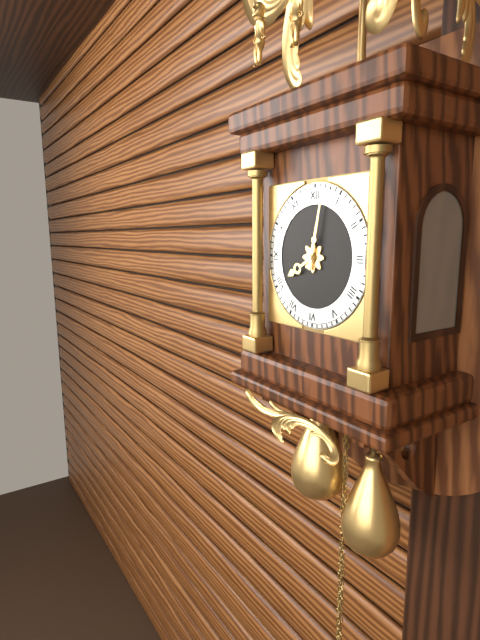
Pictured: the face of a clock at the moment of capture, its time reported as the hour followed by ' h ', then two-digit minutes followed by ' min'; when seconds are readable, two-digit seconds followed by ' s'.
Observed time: 8 h 02 min
